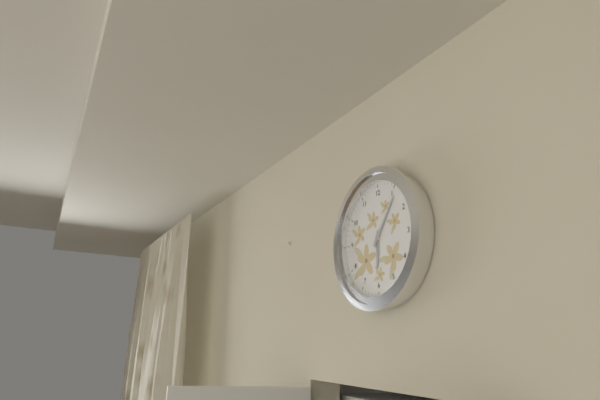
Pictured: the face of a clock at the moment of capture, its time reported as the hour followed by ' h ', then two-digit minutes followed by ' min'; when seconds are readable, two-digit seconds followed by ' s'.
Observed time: 6 h 06 min
